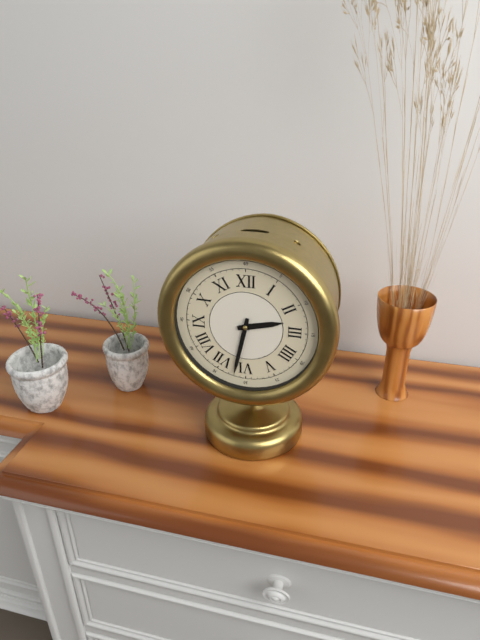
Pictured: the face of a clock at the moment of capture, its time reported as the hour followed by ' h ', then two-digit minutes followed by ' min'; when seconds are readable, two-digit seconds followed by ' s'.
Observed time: 2 h 32 min
